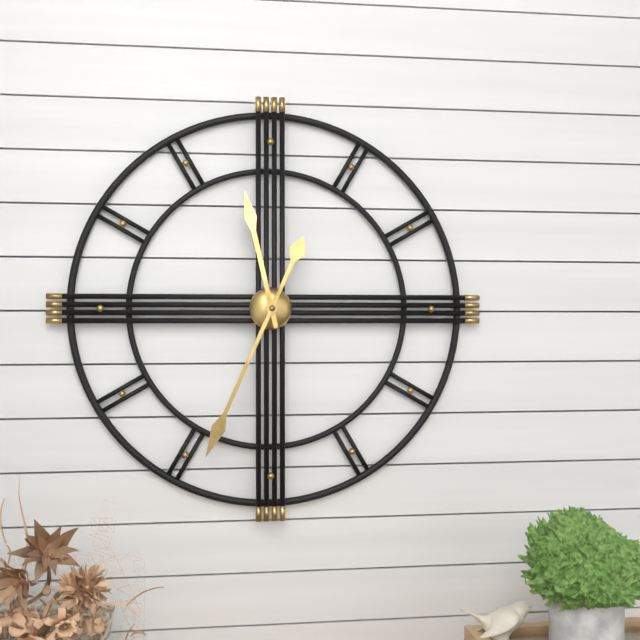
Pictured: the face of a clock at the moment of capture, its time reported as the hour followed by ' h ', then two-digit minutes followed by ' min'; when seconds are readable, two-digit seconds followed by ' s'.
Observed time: 11 h 34 min
